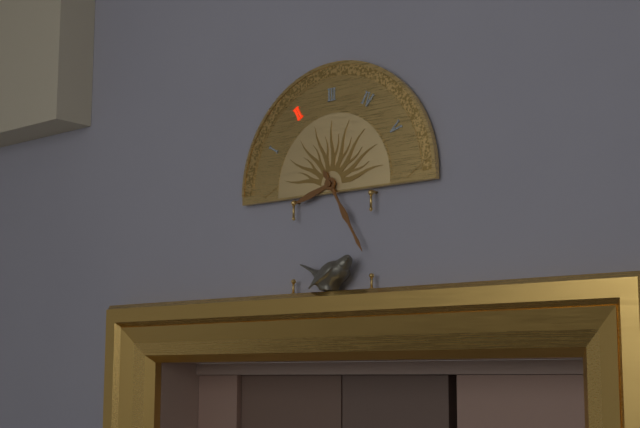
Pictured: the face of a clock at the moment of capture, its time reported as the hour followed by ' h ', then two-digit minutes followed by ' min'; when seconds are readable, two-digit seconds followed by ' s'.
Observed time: 8 h 25 min
